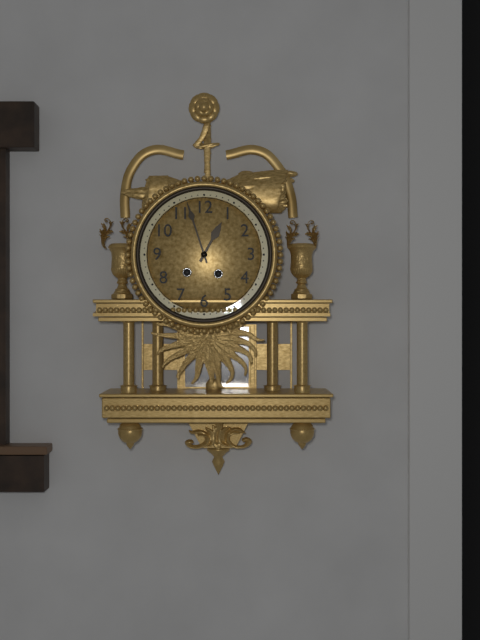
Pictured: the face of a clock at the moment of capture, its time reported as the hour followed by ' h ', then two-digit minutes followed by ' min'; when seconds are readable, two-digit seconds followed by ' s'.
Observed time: 12 h 57 min
